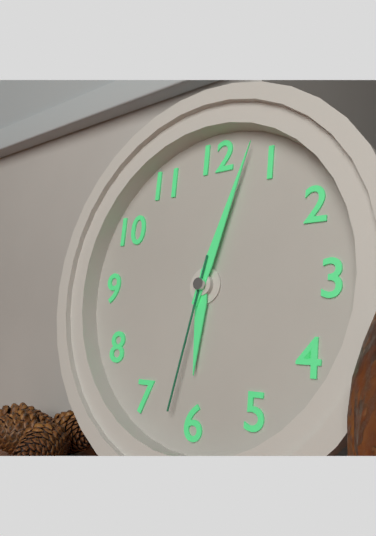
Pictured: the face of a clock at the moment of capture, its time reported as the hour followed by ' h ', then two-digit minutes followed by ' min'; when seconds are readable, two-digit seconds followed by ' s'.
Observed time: 6 h 03 min 32 s
